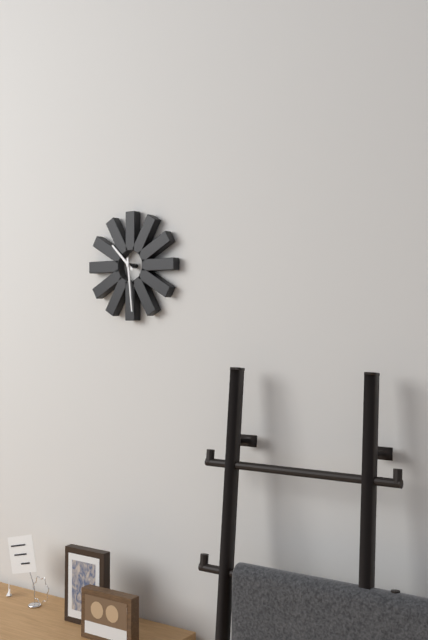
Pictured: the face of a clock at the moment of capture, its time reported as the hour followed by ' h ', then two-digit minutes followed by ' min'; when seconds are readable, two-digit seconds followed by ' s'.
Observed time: 10 h 29 min
